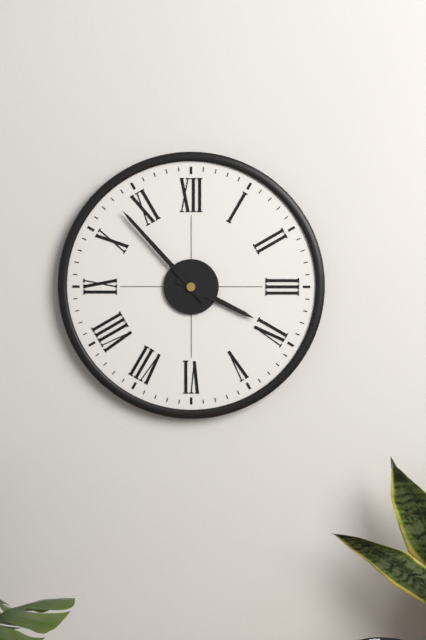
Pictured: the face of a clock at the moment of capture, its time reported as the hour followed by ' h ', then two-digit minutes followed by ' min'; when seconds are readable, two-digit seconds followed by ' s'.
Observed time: 3 h 53 min
